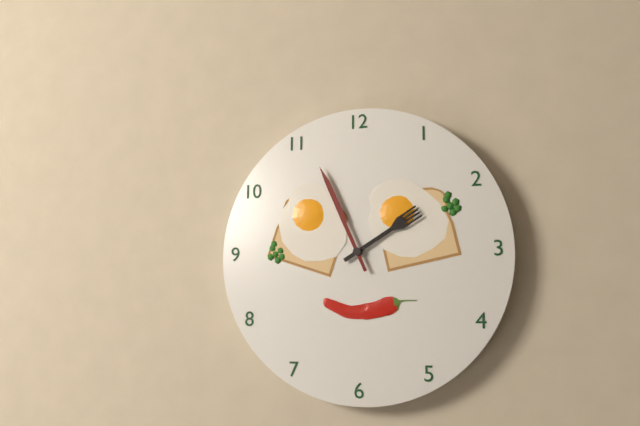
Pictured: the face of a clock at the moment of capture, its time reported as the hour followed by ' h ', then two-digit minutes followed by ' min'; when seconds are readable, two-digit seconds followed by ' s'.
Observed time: 1 h 56 min
